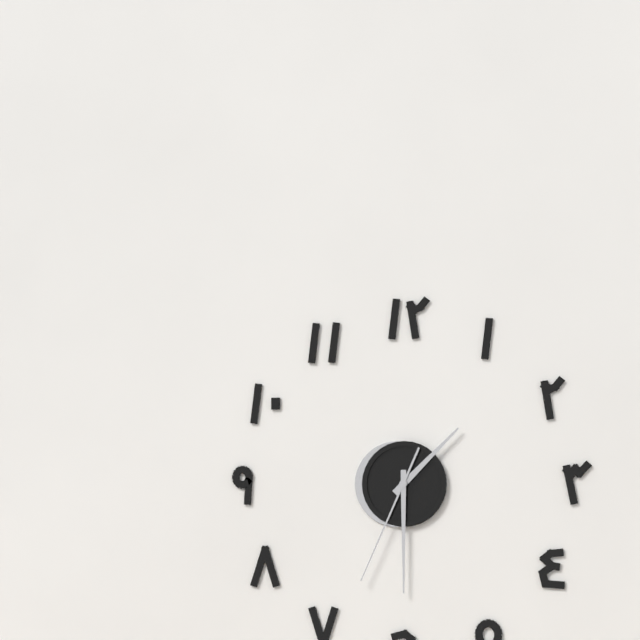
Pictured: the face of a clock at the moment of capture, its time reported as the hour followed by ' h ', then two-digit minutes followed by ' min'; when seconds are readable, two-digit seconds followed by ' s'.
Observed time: 1 h 30 min 34 s
